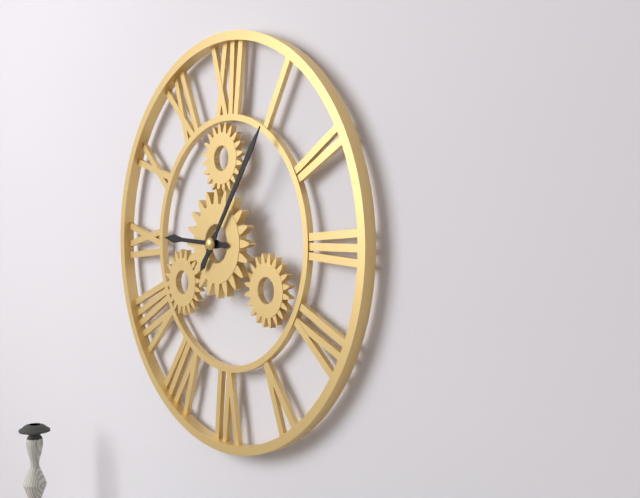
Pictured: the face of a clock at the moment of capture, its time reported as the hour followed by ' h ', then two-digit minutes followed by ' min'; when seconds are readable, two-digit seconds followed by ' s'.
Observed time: 9 h 06 min
